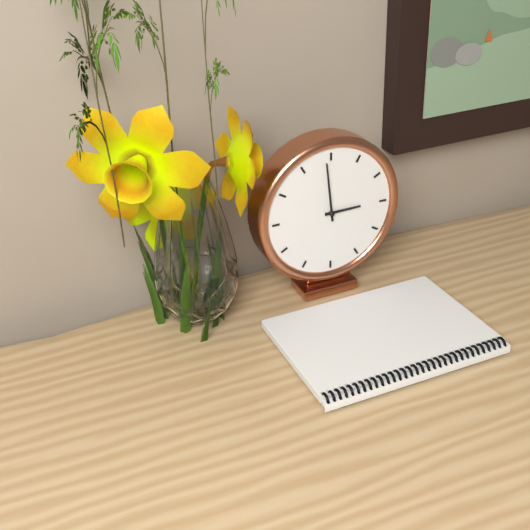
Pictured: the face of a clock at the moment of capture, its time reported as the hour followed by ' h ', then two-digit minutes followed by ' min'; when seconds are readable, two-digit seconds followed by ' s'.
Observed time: 2 h 59 min
